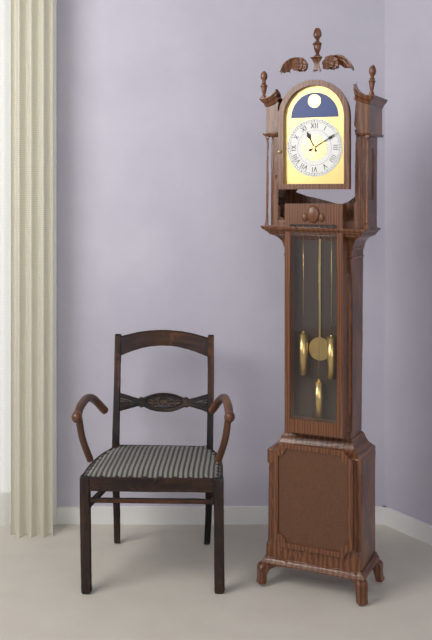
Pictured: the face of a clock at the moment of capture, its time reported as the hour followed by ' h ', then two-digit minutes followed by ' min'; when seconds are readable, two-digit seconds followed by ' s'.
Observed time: 11 h 10 min
